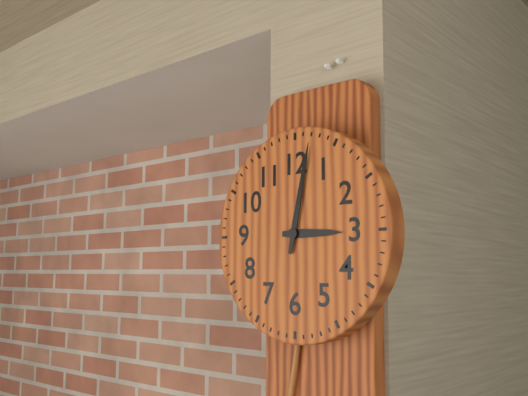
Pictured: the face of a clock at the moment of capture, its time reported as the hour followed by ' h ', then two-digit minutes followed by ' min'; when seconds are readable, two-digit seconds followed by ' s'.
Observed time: 3 h 02 min
